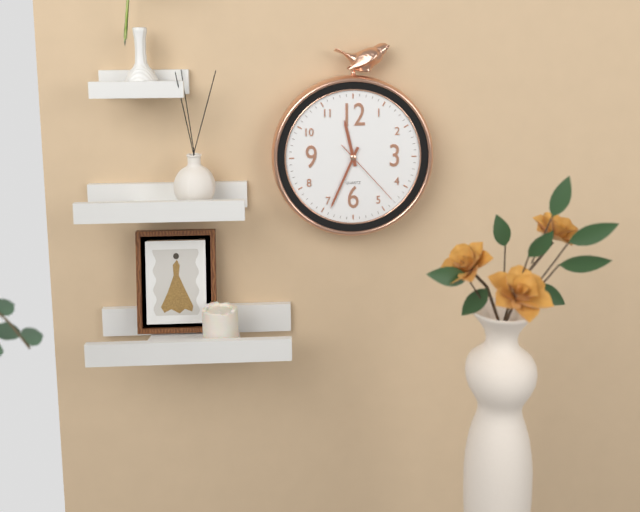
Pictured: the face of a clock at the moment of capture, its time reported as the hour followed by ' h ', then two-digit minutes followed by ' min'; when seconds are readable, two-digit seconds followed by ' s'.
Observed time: 11 h 34 min 23 s
